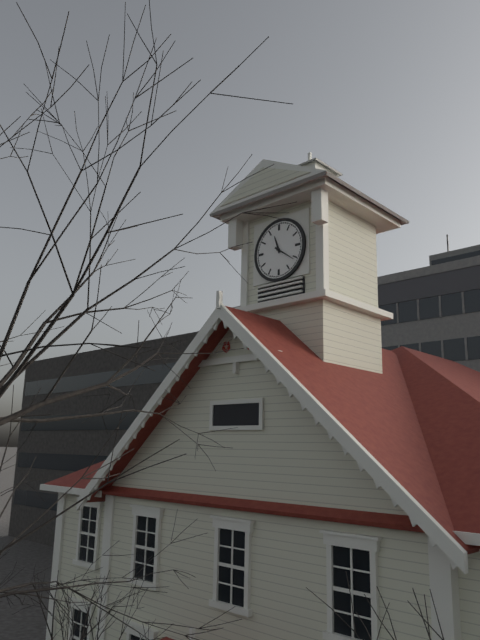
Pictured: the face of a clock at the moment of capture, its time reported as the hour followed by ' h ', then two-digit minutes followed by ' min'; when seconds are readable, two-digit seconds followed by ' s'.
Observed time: 11 h 21 min
